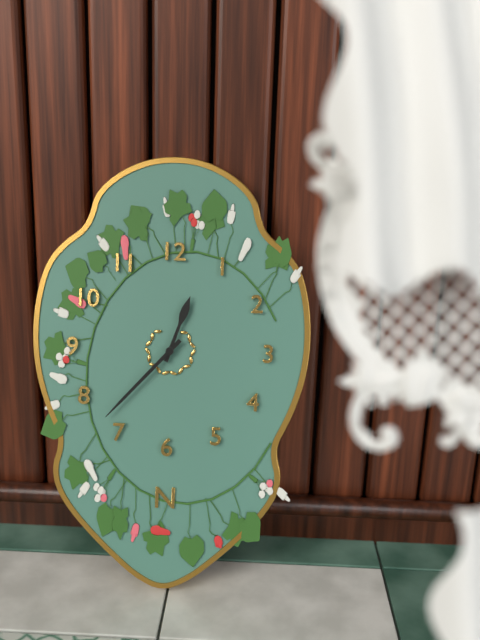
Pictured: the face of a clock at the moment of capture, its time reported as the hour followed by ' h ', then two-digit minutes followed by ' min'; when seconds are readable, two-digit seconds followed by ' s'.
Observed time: 12 h 37 min
